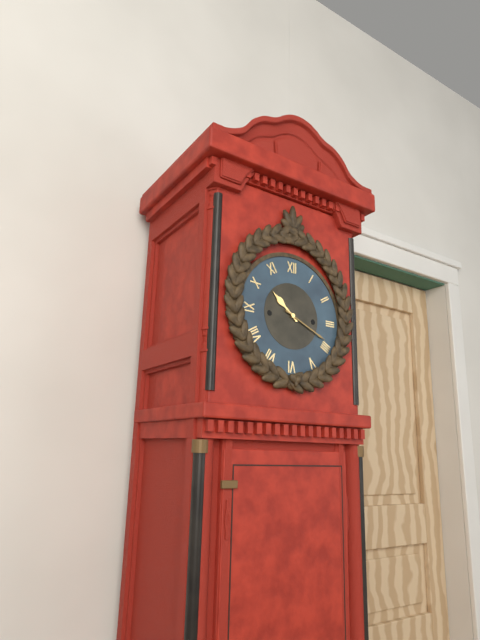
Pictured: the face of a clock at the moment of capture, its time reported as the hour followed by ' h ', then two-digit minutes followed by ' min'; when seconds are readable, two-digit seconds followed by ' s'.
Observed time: 10 h 19 min
